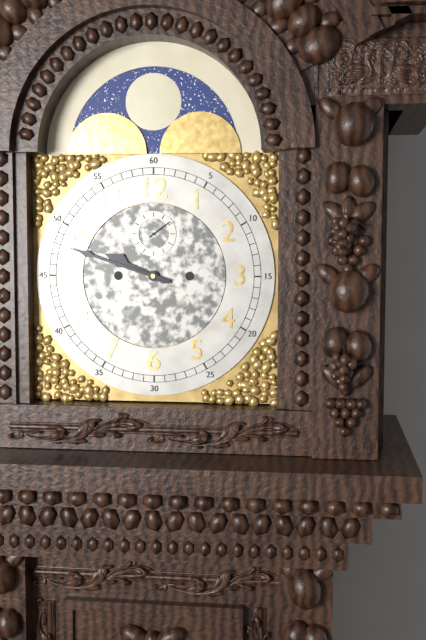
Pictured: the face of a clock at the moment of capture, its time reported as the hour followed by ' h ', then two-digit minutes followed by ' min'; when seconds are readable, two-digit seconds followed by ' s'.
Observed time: 9 h 48 min
